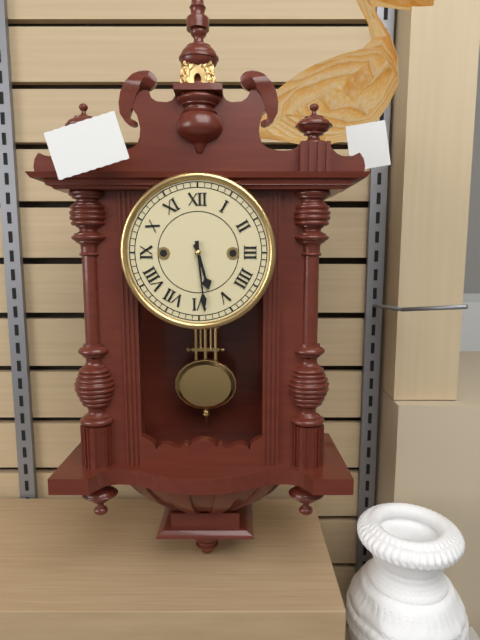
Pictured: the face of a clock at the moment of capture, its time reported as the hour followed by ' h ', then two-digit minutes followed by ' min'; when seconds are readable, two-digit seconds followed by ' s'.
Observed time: 5 h 29 min
